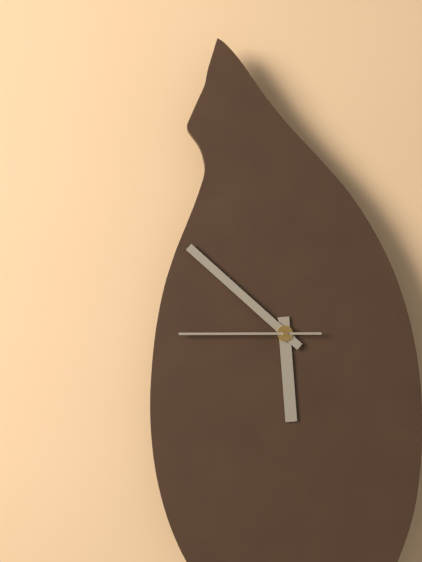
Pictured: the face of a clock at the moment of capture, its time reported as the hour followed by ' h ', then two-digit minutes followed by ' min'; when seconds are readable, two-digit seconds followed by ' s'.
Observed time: 5 h 52 min 45 s
